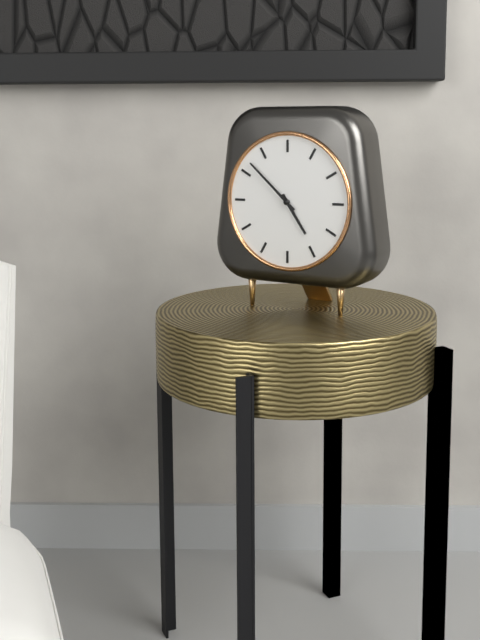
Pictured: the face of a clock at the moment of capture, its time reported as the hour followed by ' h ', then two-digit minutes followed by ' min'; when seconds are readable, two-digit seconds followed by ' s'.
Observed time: 4 h 52 min
